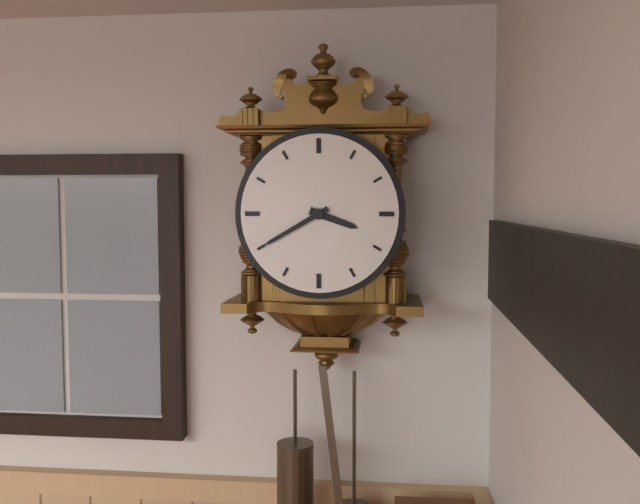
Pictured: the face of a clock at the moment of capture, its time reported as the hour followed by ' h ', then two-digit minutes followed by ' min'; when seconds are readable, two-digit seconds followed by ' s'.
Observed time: 3 h 40 min
